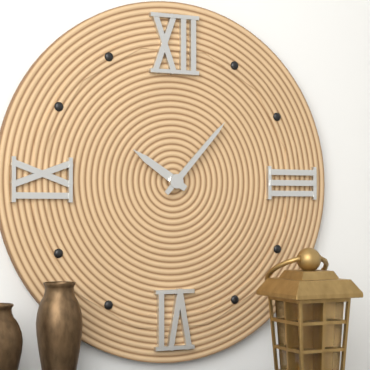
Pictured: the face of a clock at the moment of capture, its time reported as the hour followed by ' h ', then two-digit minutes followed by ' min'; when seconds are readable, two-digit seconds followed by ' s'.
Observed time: 10 h 07 min
